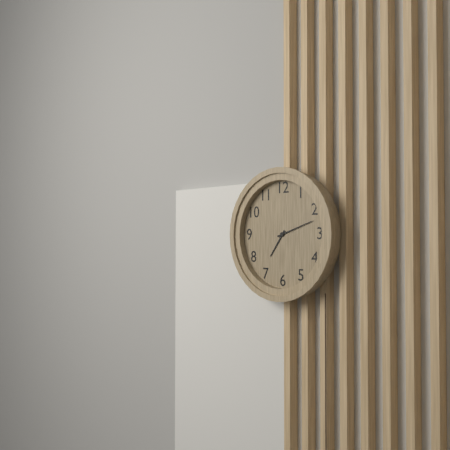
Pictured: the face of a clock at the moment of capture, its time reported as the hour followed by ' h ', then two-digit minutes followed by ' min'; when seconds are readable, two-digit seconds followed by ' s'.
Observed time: 7 h 12 min
